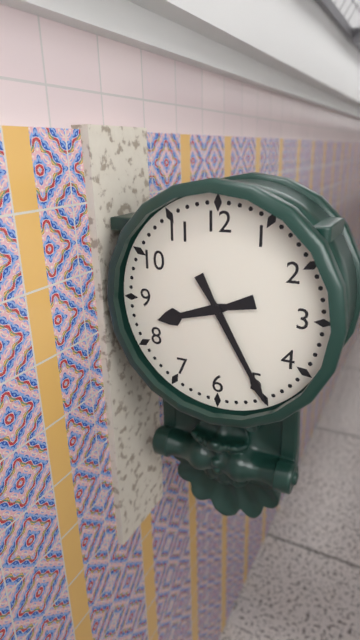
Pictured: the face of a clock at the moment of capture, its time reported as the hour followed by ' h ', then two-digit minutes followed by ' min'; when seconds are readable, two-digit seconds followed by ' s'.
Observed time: 8 h 25 min
